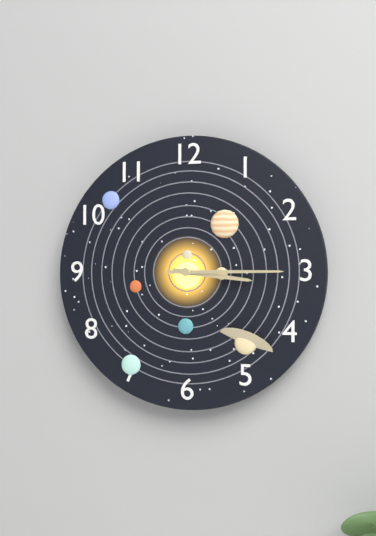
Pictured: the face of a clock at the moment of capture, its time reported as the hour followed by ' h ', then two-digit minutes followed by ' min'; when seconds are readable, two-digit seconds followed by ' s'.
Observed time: 3 h 15 min
